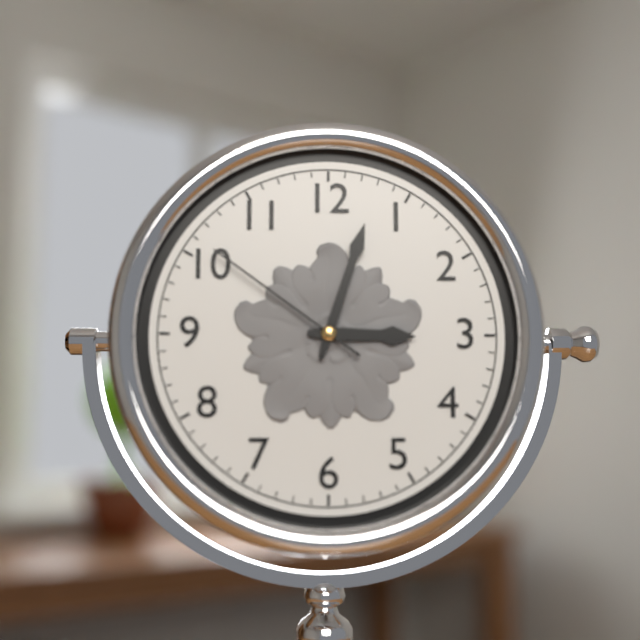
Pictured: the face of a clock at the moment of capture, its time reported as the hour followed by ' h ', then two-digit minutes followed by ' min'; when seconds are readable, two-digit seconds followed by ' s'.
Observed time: 3 h 03 min 51 s
